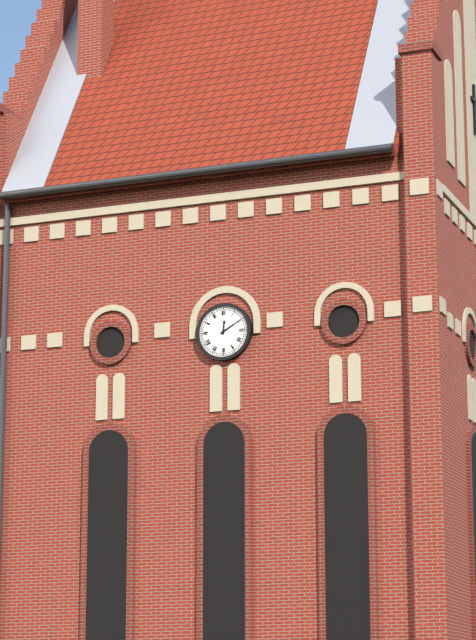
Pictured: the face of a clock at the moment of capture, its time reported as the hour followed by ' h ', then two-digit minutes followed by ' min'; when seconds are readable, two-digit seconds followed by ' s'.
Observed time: 12 h 10 min
